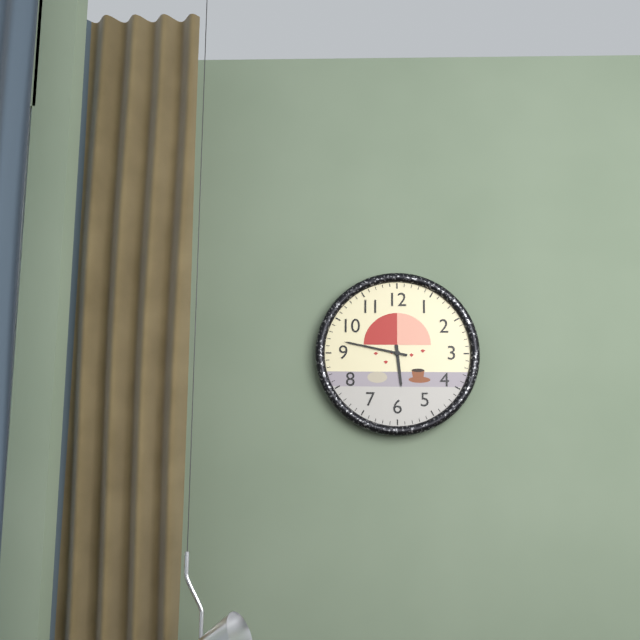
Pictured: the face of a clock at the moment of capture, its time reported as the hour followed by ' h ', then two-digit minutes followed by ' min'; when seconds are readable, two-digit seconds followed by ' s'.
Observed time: 5 h 47 min
